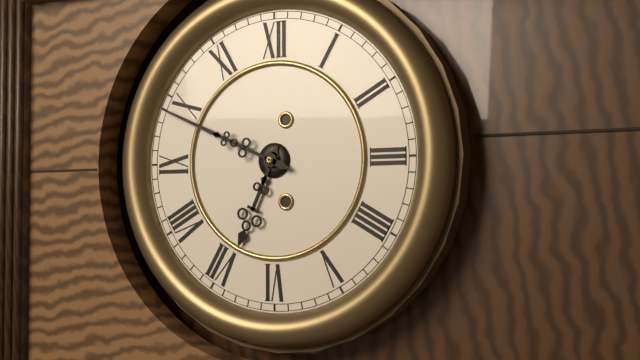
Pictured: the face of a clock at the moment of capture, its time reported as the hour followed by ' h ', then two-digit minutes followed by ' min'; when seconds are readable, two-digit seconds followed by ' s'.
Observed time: 6 h 49 min
